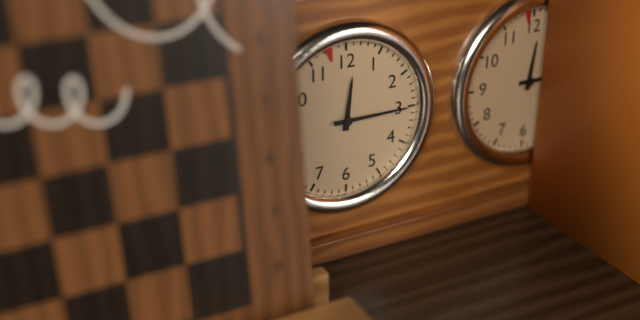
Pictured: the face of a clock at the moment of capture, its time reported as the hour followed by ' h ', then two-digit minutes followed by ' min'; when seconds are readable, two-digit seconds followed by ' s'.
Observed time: 12 h 15 min
